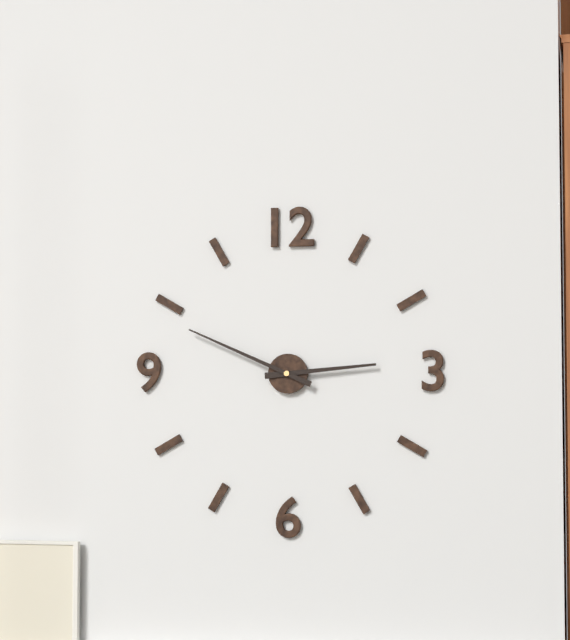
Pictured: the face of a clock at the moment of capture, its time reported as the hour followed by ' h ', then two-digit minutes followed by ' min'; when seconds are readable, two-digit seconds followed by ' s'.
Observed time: 2 h 49 min
